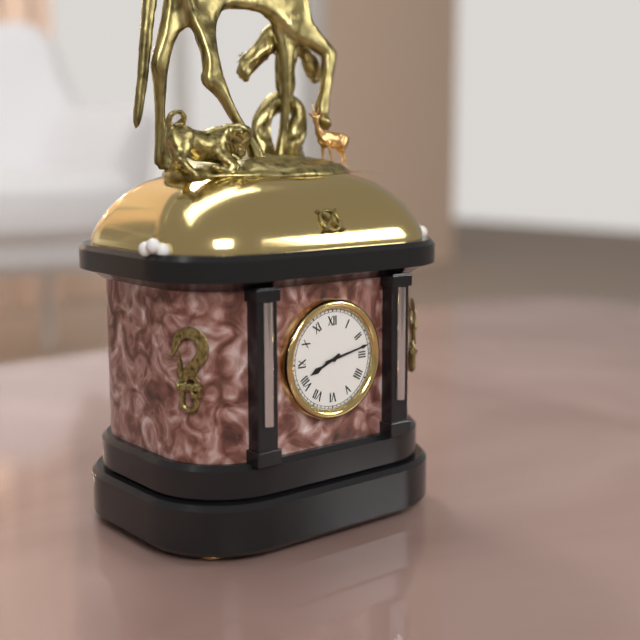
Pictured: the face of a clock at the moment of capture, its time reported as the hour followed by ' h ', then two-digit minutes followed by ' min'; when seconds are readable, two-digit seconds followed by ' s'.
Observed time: 8 h 13 min
